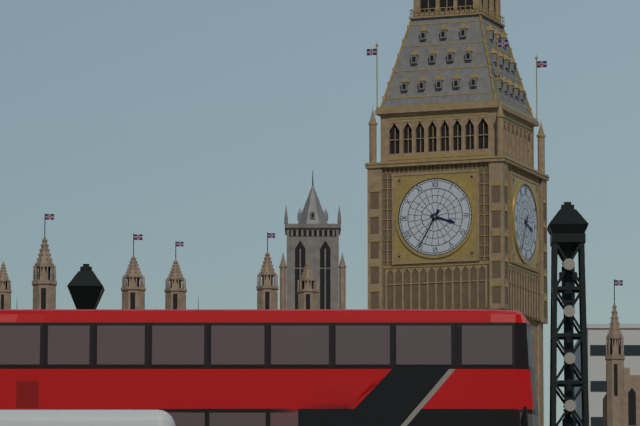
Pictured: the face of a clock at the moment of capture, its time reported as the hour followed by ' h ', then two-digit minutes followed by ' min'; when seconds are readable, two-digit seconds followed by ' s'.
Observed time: 3 h 35 min
